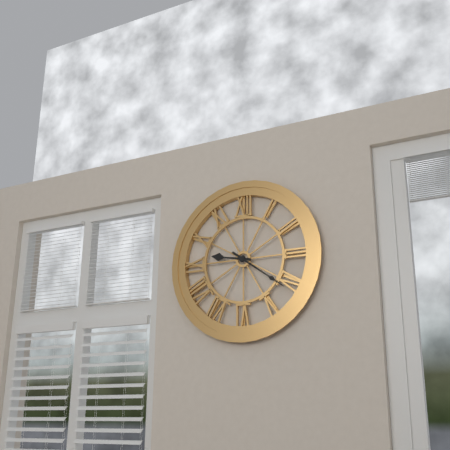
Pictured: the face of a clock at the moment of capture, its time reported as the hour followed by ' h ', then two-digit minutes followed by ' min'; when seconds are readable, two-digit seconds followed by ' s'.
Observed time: 9 h 21 min
